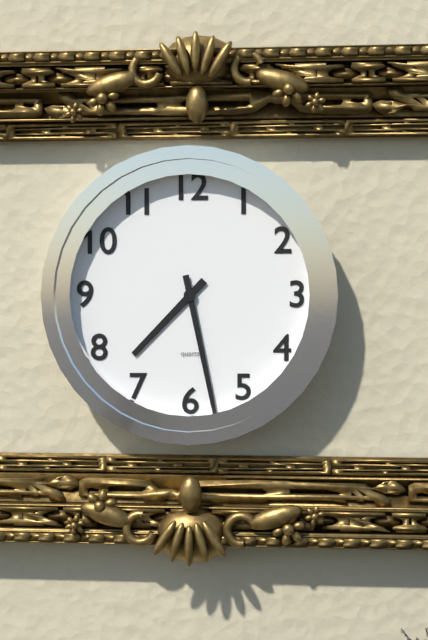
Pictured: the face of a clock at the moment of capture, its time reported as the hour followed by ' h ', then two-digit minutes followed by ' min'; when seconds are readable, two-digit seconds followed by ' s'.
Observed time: 7 h 28 min
